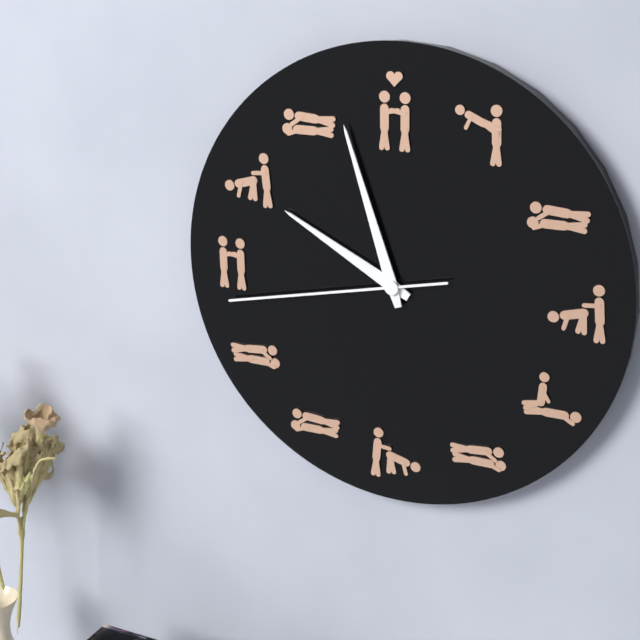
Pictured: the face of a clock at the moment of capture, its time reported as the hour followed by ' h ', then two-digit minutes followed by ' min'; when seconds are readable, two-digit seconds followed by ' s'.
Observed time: 9 h 57 min 43 s
